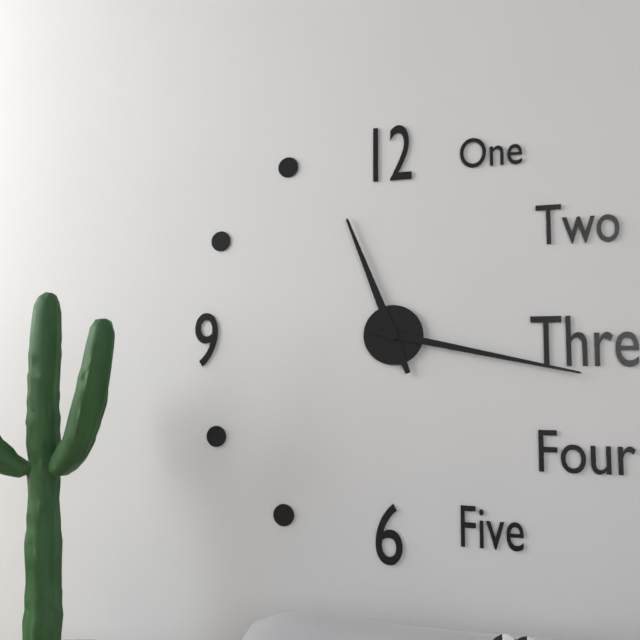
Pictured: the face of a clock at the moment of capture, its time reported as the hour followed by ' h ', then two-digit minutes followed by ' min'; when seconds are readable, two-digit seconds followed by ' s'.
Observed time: 11 h 17 min
